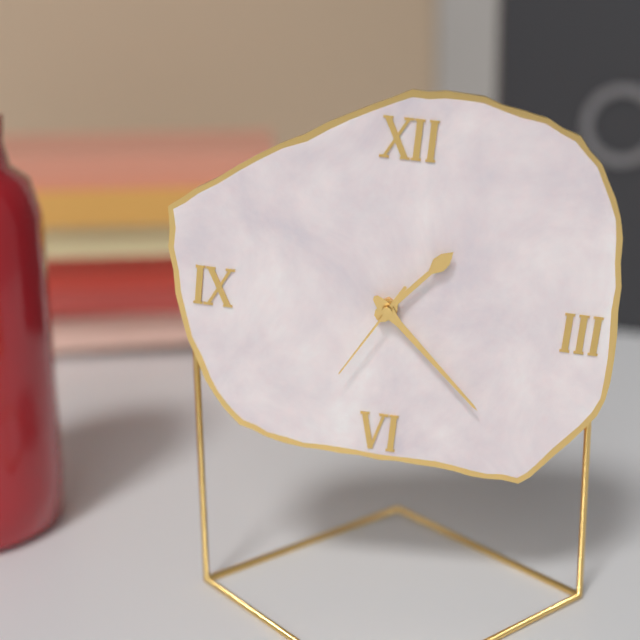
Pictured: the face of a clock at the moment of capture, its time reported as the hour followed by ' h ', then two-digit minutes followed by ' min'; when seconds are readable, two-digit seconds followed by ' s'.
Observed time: 1 h 22 min 35 s
